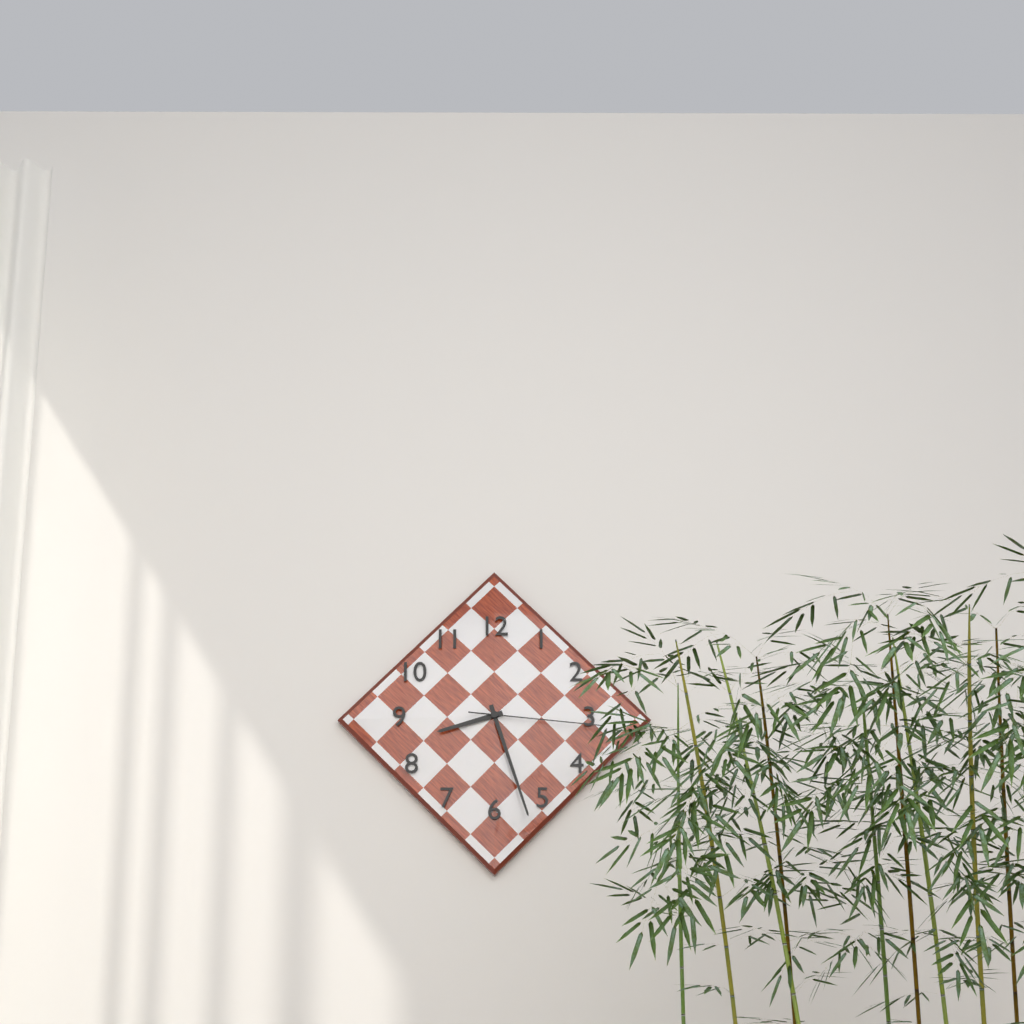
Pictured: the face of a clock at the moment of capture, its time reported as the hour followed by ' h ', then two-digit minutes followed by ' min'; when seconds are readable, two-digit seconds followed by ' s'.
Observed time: 8 h 27 min 16 s
